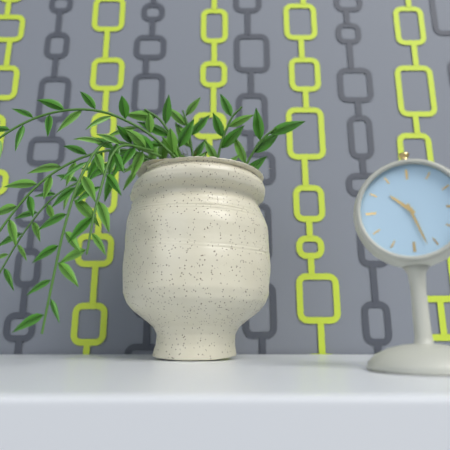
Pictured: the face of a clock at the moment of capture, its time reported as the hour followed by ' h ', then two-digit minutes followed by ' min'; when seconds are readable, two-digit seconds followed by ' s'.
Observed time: 10 h 27 min
